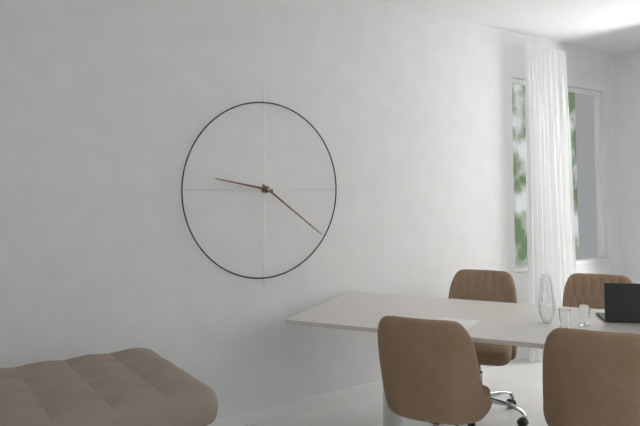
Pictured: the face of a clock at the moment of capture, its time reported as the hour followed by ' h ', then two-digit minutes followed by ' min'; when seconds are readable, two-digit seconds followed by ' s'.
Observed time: 9 h 21 min
